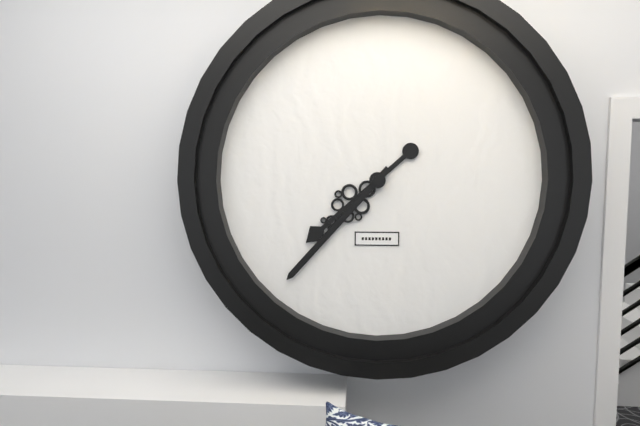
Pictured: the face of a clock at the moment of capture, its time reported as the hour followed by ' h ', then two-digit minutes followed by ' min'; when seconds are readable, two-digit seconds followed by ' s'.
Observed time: 7 h 37 min
